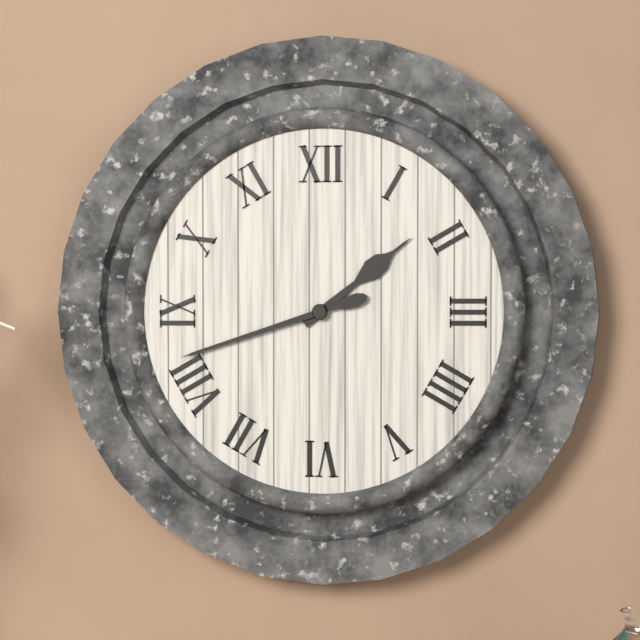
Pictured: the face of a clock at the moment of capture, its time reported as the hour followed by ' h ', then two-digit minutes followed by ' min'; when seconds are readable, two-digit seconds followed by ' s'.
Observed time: 1 h 42 min
